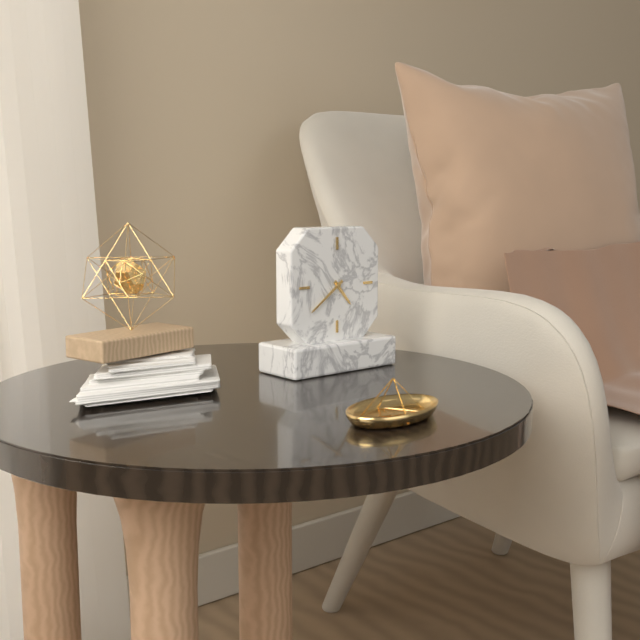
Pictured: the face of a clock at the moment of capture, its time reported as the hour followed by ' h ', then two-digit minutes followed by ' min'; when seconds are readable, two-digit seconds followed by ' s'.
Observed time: 4 h 39 min
